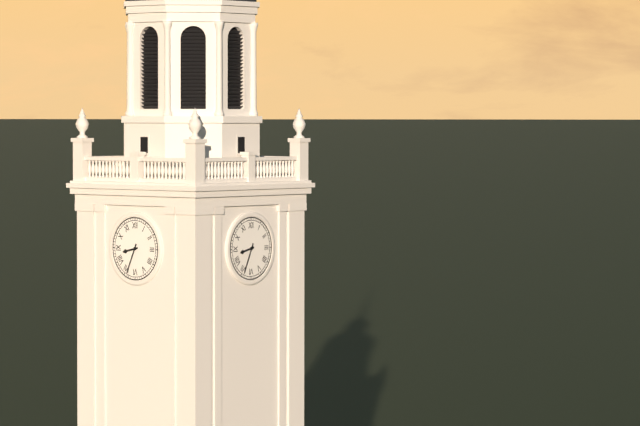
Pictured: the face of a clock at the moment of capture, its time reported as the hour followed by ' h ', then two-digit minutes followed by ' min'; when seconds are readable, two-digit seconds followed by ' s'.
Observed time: 8 h 34 min
